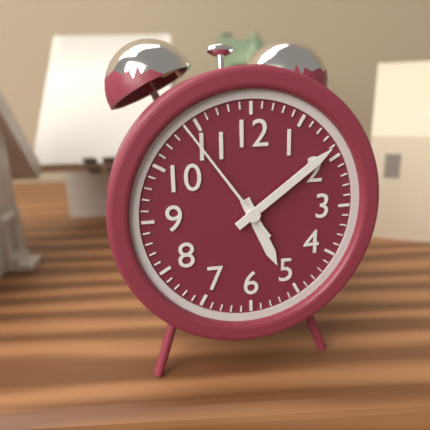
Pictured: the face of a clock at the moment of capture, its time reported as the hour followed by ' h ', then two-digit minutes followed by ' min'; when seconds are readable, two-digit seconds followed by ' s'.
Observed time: 5 h 09 min 54 s
